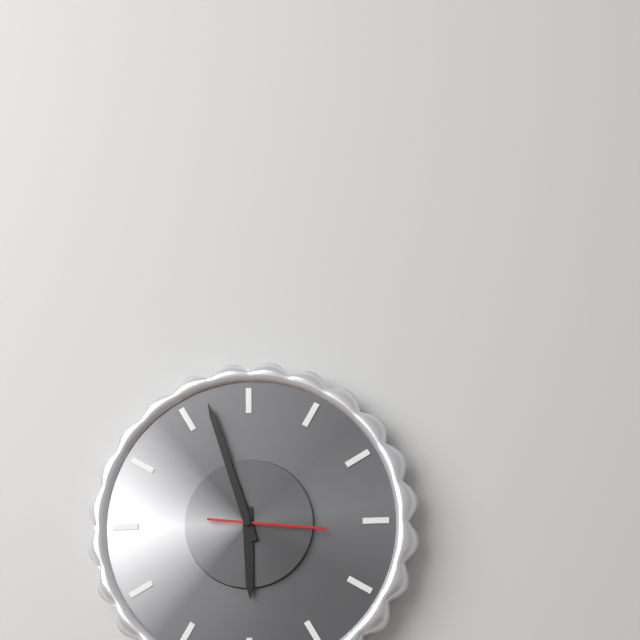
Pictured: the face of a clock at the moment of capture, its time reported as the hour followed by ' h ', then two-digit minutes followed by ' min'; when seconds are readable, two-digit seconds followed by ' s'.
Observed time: 5 h 57 min 16 s
